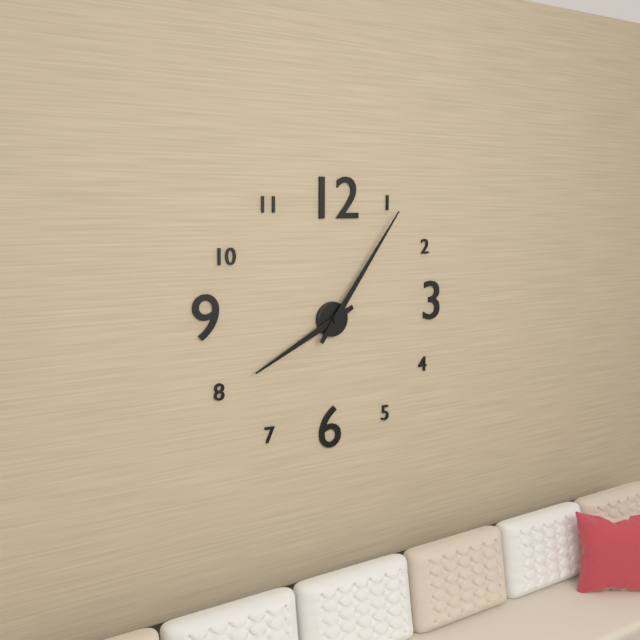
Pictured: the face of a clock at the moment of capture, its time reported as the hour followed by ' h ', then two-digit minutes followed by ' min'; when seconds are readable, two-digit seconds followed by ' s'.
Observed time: 8 h 06 min
